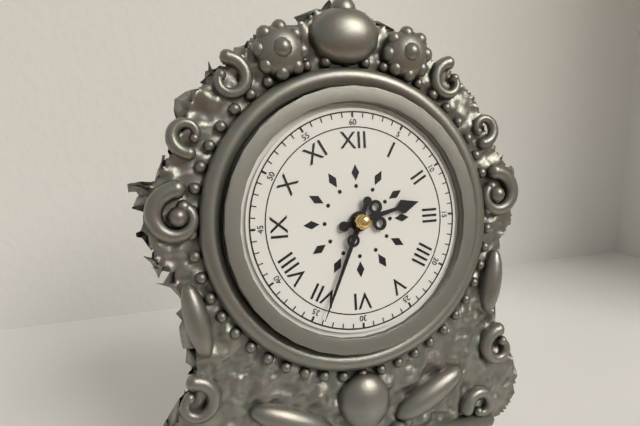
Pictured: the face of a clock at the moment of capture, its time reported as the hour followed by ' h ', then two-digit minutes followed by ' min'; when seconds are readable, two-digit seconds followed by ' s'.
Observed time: 2 h 34 min
